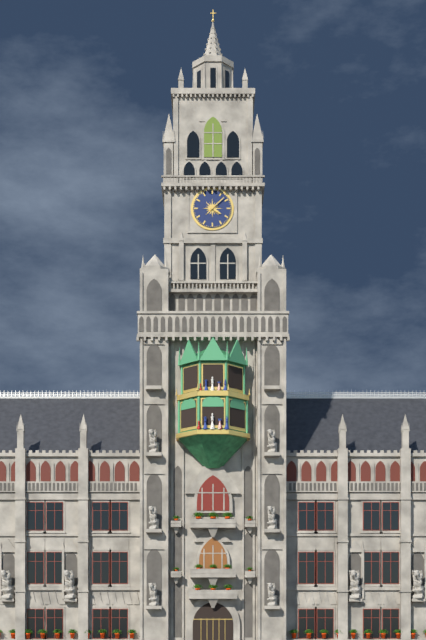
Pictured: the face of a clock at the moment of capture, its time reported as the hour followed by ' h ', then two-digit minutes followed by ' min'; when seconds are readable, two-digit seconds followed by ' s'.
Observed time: 4 h 08 min
